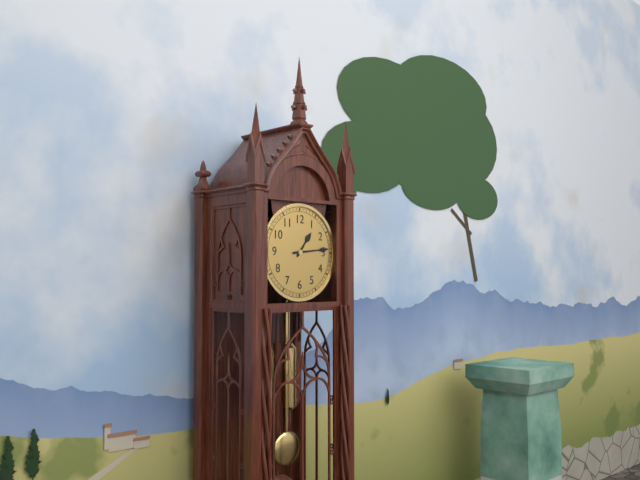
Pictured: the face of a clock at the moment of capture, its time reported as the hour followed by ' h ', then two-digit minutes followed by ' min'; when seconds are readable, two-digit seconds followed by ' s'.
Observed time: 1 h 14 min
